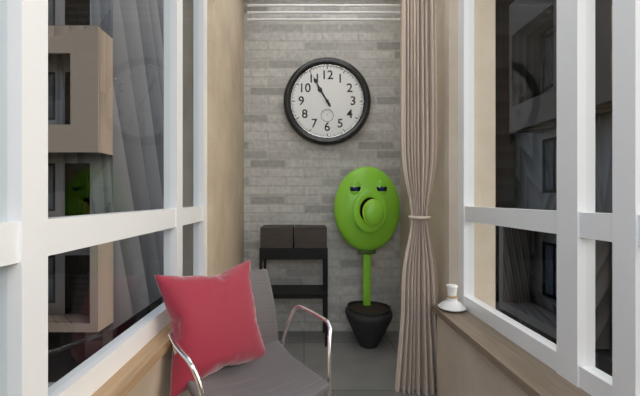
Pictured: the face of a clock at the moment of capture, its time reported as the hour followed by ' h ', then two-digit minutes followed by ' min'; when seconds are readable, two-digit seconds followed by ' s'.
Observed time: 10 h 55 min
